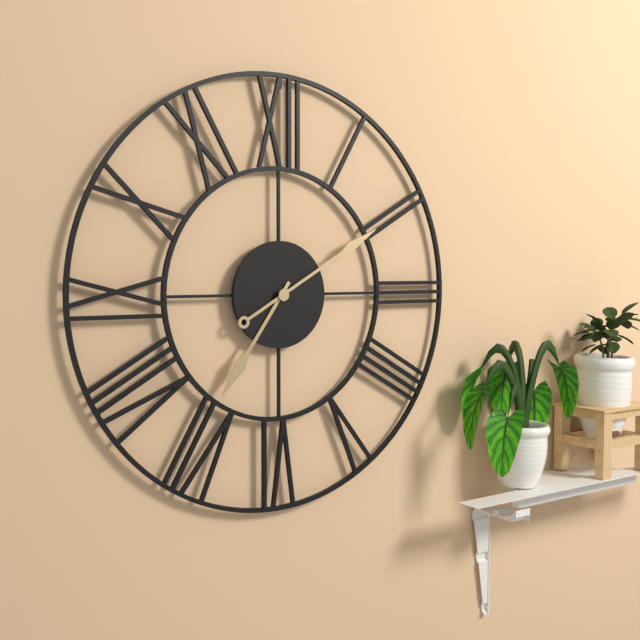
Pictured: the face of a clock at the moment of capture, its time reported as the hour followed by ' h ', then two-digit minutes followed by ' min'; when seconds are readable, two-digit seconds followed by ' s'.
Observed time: 7 h 10 min
